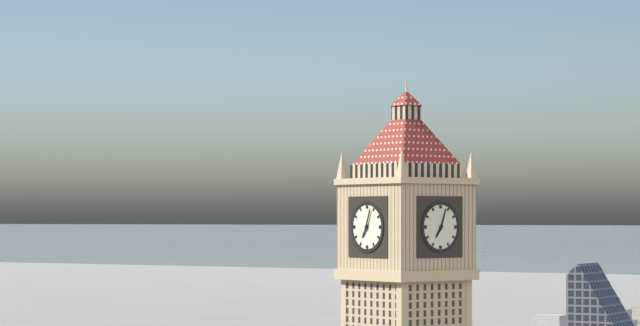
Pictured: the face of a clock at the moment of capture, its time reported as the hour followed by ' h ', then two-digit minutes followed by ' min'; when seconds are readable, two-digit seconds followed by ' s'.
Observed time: 7 h 03 min
